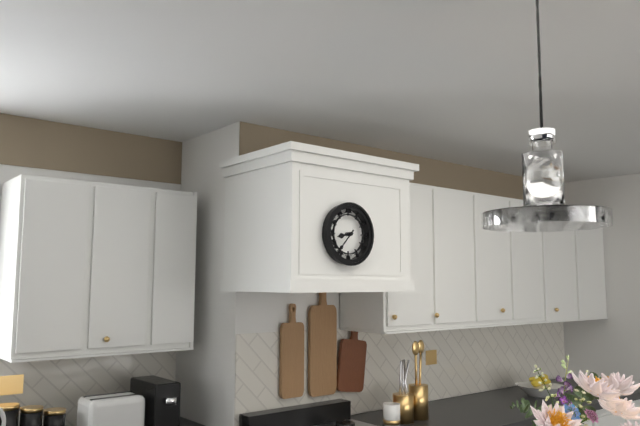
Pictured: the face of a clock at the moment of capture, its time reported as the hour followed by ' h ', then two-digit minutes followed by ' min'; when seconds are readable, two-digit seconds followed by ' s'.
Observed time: 8 h 37 min
